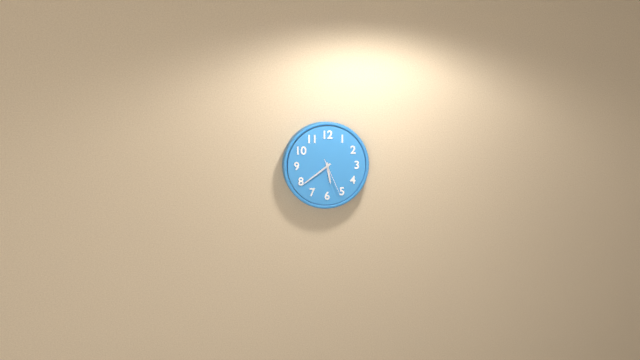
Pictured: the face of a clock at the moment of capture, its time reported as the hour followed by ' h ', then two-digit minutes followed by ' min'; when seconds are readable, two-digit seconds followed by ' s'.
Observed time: 5 h 39 min
